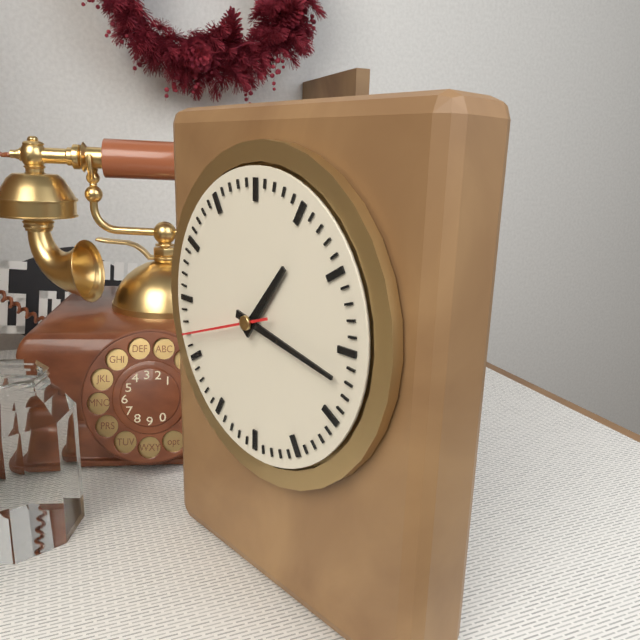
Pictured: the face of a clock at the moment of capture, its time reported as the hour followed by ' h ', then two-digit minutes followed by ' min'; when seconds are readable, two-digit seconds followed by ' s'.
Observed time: 1 h 17 min 42 s
